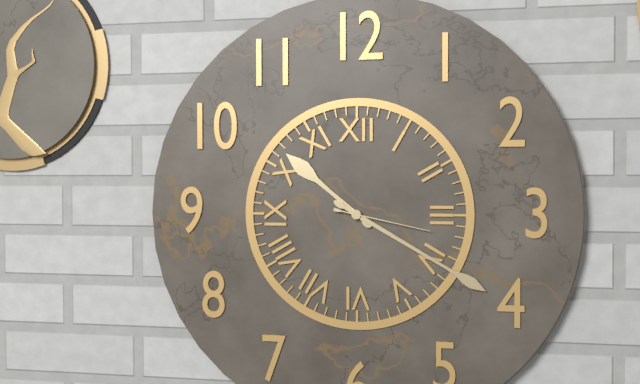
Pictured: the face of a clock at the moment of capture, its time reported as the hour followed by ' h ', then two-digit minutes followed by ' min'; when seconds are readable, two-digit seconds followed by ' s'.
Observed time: 10 h 20 min 17 s
